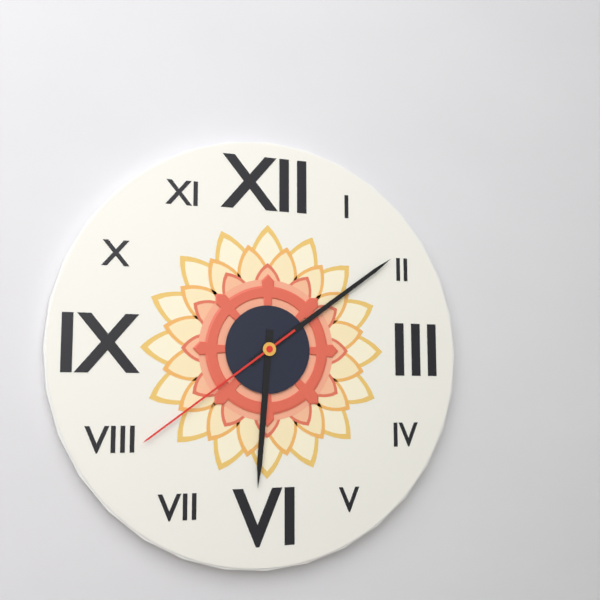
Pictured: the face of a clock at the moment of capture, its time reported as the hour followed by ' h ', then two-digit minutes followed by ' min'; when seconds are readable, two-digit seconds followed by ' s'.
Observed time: 6 h 09 min 39 s
